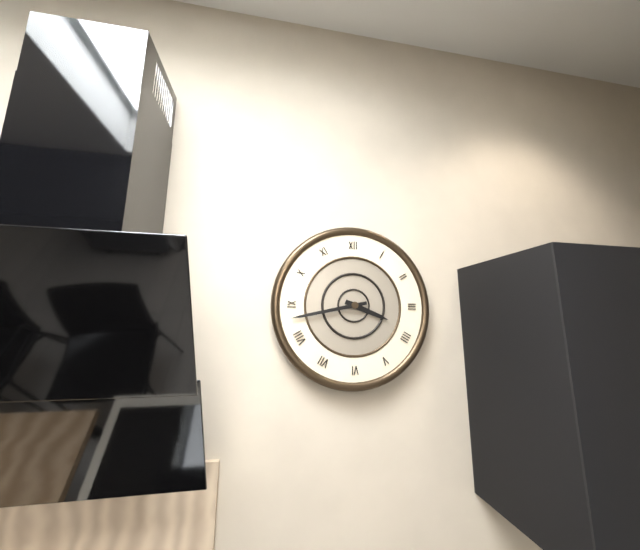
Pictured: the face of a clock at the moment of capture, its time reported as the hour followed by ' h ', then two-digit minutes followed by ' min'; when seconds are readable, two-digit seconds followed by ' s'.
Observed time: 3 h 43 min
